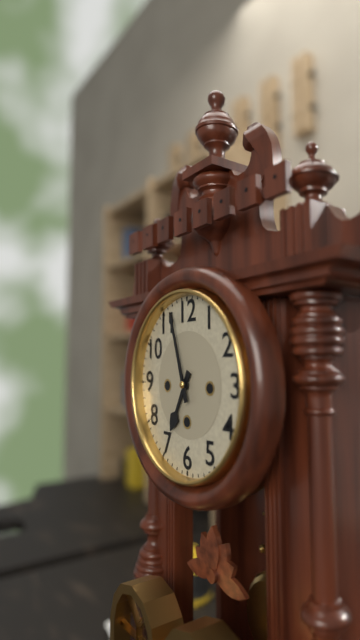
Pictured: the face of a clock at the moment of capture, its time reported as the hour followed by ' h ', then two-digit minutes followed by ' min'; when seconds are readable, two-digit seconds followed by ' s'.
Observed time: 6 h 57 min
